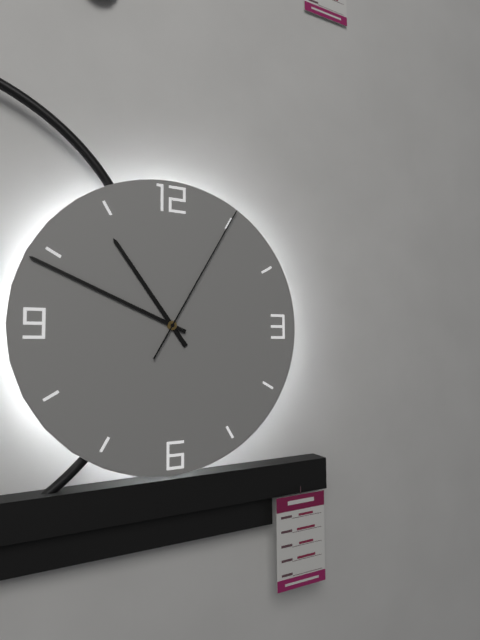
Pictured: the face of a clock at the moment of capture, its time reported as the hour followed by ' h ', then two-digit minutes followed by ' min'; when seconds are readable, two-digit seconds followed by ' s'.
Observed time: 10 h 49 min 05 s
